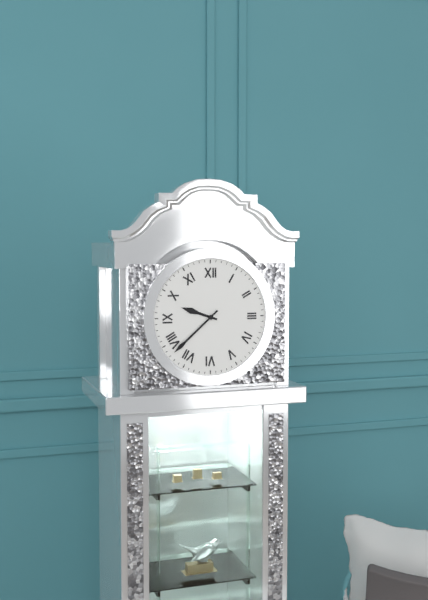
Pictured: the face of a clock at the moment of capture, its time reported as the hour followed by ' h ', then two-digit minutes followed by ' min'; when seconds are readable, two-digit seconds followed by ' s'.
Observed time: 9 h 38 min
